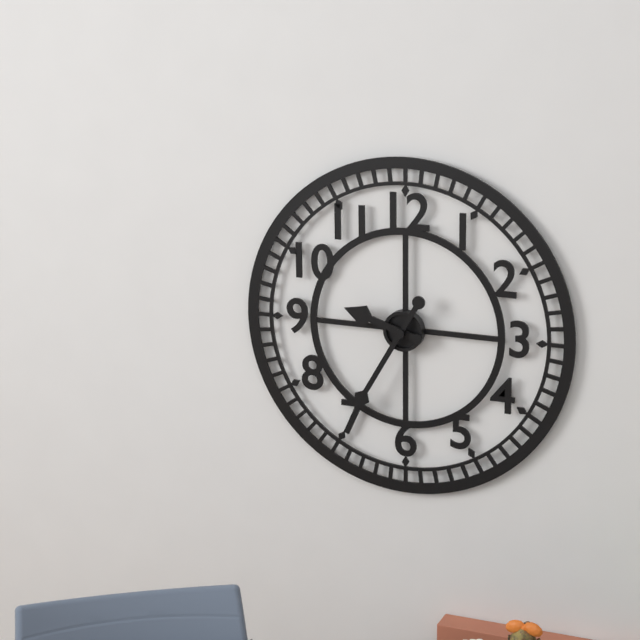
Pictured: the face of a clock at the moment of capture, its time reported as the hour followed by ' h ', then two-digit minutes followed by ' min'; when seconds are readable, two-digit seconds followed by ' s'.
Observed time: 9 h 35 min
